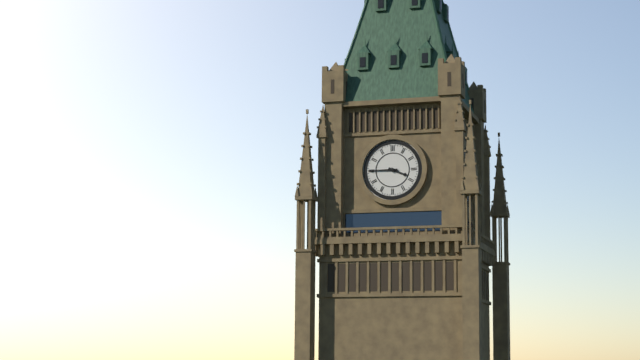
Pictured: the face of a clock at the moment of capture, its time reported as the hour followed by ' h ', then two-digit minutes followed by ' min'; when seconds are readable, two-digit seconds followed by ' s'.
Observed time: 3 h 45 min
